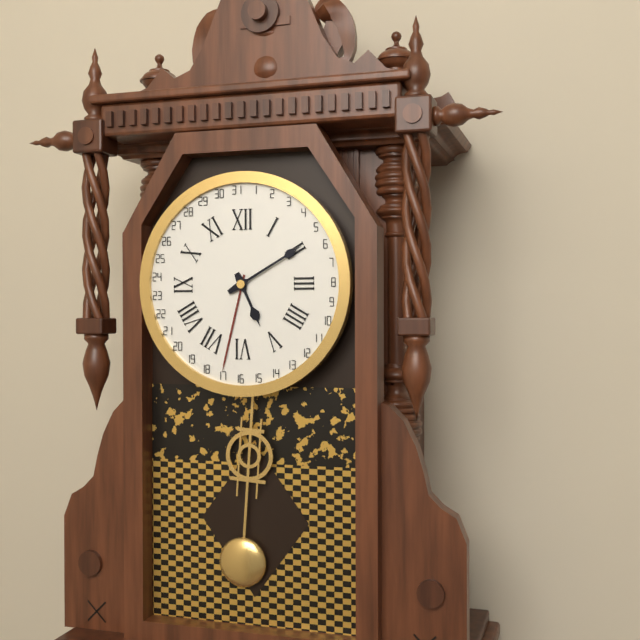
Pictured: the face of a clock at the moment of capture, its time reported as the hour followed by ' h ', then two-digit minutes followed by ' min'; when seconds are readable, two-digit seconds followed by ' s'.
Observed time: 5 h 10 min
